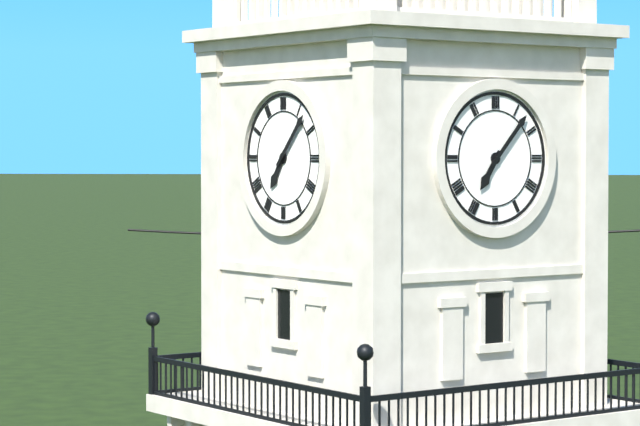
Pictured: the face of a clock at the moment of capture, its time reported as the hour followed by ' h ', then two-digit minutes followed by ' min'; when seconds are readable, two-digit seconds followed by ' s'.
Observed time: 7 h 07 min
